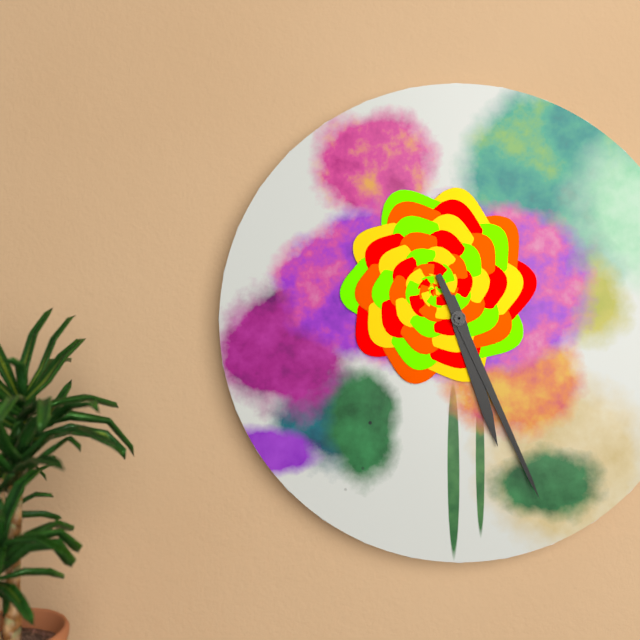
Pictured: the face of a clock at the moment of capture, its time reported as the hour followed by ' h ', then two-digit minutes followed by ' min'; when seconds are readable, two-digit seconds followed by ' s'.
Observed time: 5 h 26 min
